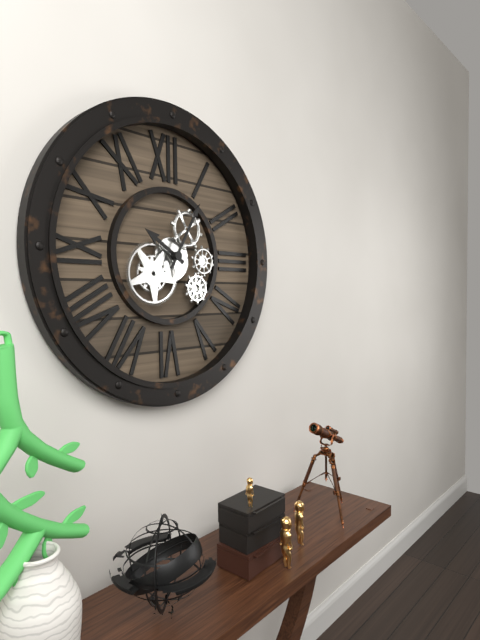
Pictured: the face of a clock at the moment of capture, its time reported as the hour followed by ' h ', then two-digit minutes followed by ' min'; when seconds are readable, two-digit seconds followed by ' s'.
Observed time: 10 h 05 min
